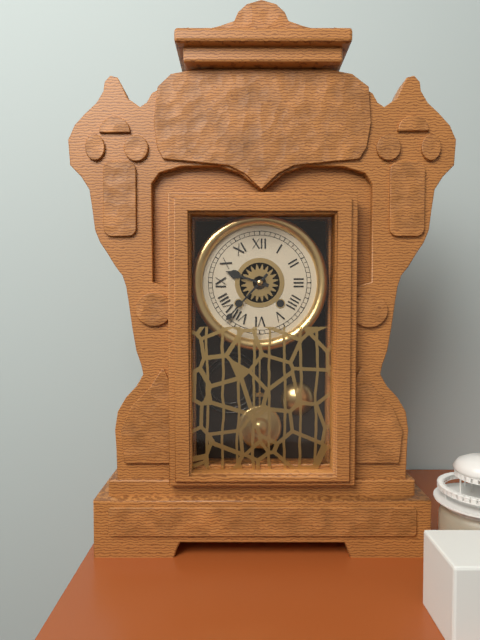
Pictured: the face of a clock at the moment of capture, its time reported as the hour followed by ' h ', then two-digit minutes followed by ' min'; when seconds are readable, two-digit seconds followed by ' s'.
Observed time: 9 h 37 min
